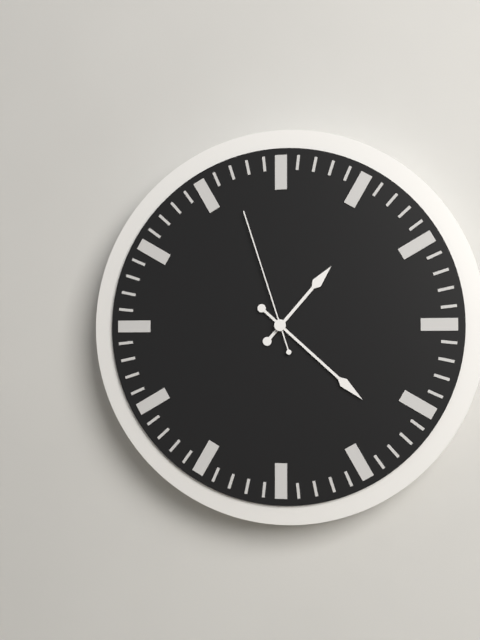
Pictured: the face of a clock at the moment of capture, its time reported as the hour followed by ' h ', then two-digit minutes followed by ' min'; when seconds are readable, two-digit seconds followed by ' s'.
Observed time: 1 h 22 min 57 s
